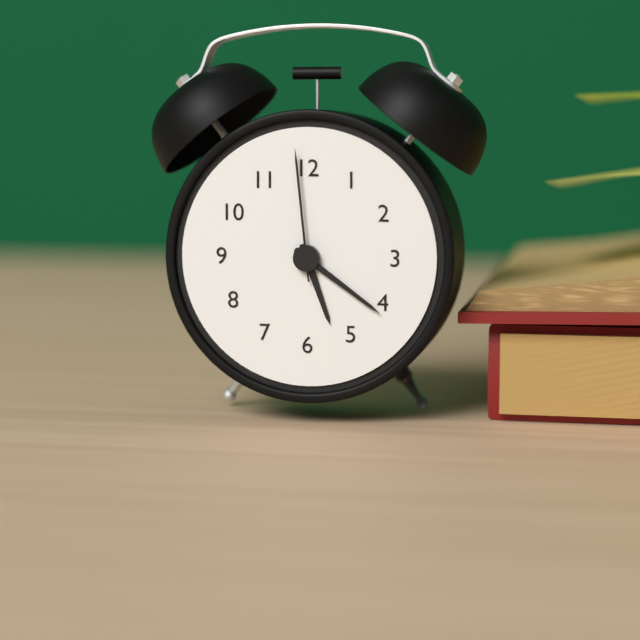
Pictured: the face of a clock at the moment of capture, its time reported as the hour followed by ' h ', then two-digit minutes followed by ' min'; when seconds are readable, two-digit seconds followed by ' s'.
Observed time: 5 h 21 min 59 s
